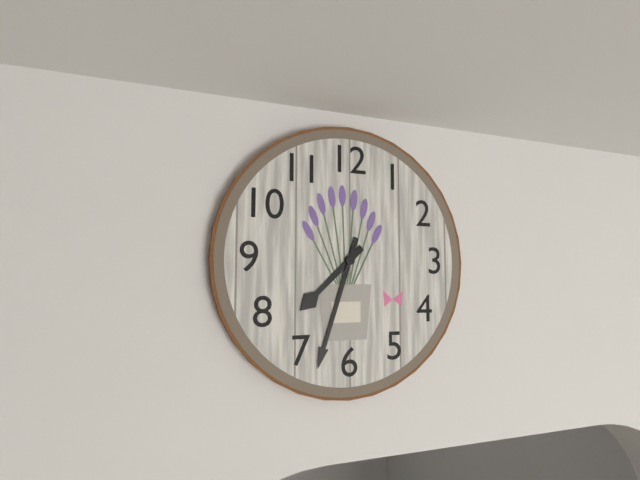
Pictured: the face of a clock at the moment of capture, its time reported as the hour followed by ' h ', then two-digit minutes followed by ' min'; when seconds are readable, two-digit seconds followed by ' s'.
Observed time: 7 h 33 min
